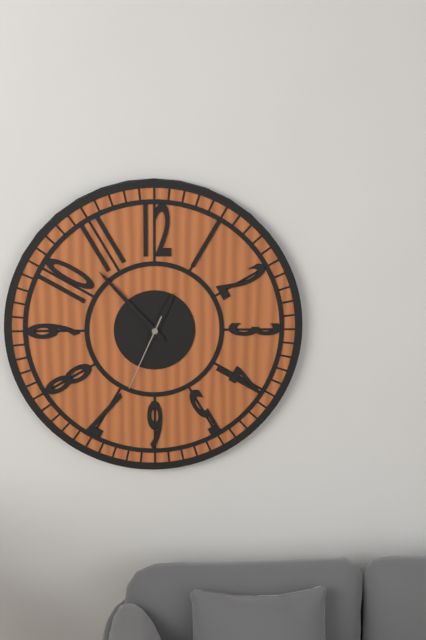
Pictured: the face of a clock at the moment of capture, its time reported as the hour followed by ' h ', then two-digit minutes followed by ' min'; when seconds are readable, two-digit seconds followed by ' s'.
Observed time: 12 h 53 min 34 s
